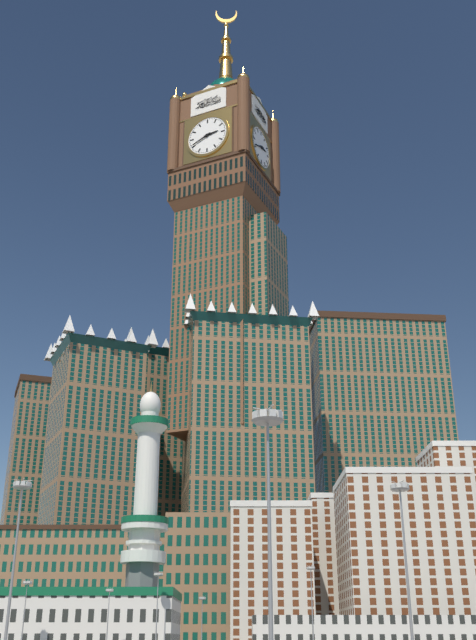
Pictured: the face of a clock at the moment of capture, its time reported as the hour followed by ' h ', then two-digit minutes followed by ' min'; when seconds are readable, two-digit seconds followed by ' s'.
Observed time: 2 h 41 min
